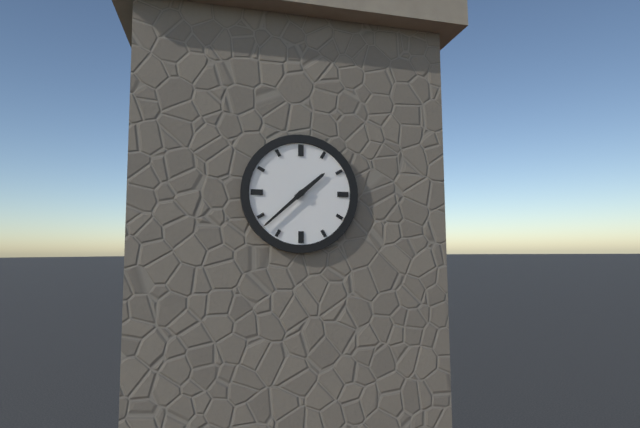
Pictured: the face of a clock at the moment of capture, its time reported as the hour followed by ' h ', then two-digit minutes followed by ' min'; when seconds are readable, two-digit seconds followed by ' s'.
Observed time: 1 h 38 min
